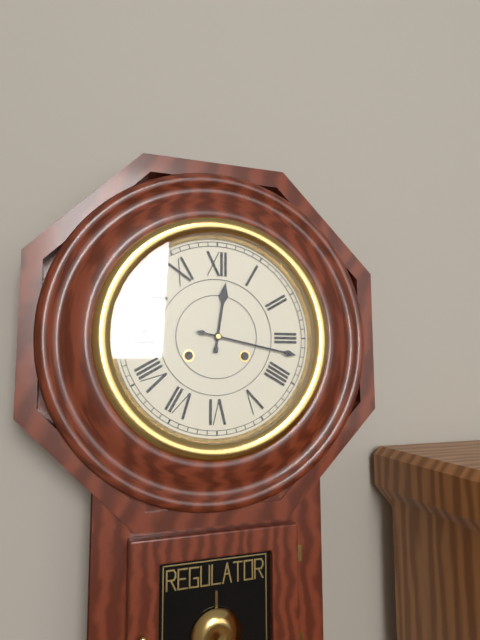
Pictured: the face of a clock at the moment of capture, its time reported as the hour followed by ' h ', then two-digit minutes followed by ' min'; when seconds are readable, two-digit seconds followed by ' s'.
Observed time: 12 h 17 min
